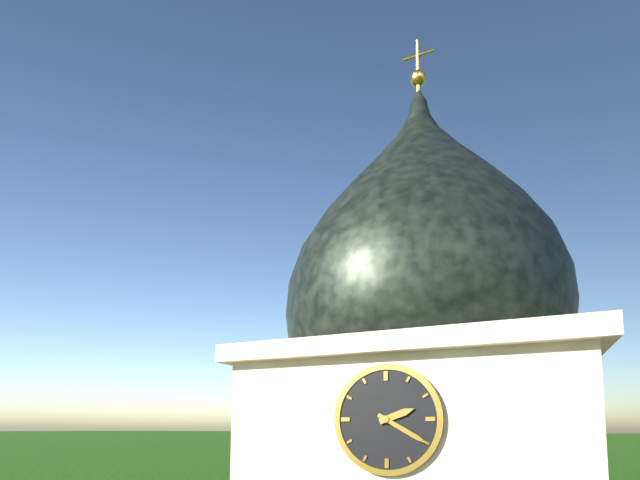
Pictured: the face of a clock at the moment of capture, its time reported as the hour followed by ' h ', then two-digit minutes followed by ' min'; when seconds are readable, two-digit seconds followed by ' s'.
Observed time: 2 h 20 min
